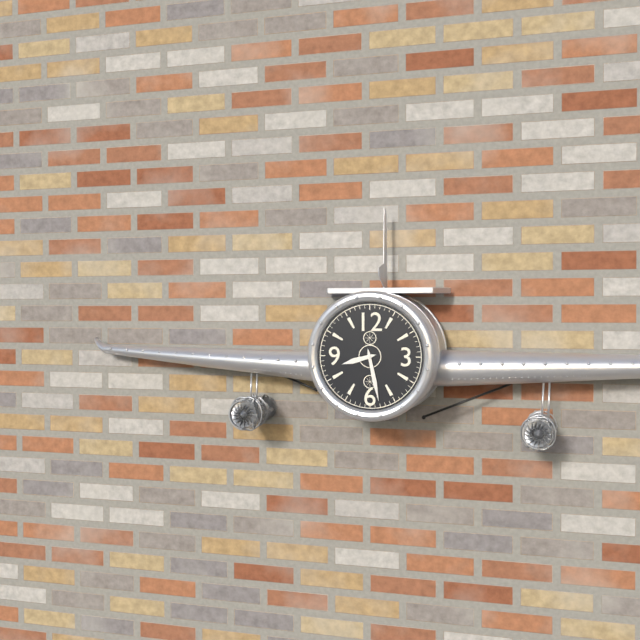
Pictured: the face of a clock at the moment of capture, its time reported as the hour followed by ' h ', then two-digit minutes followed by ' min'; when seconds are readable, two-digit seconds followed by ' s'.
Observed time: 8 h 28 min
